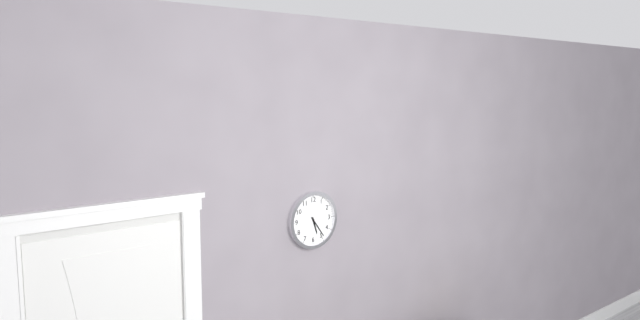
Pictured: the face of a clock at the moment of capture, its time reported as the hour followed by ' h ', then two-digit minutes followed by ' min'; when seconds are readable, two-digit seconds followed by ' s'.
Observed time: 5 h 24 min
